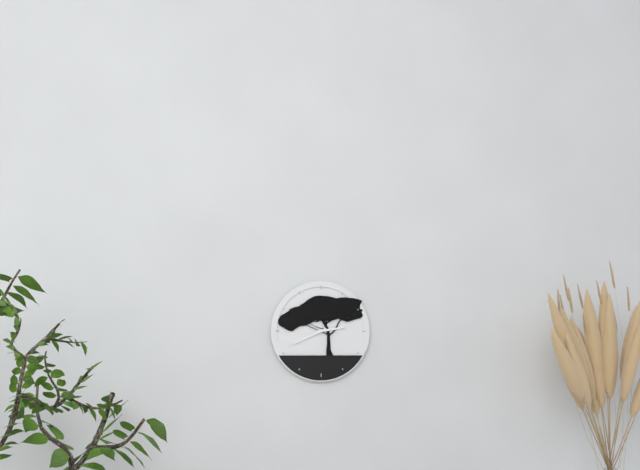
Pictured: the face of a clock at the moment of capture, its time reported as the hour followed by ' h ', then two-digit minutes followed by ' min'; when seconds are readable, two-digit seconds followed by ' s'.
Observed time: 2 h 41 min
